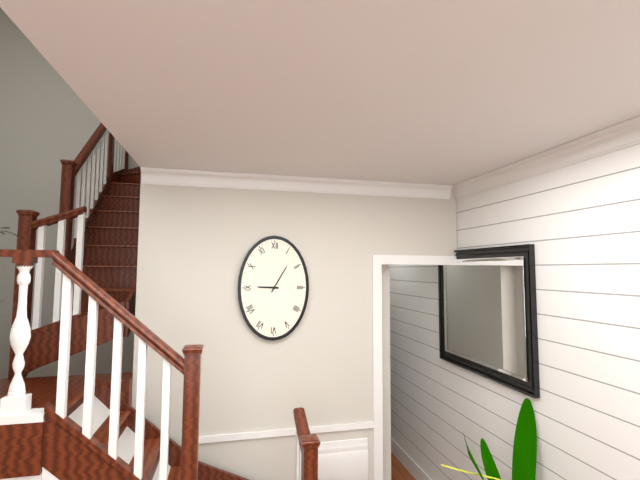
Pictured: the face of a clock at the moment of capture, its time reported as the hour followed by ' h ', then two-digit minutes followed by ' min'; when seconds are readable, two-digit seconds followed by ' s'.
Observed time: 9 h 05 min
